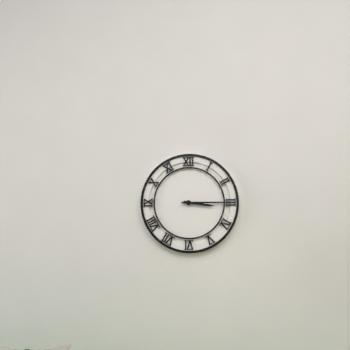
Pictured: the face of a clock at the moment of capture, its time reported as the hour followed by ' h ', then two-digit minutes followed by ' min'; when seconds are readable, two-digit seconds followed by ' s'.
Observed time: 3 h 15 min
